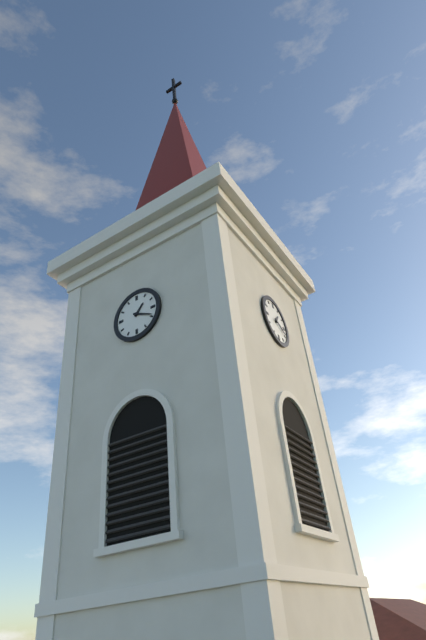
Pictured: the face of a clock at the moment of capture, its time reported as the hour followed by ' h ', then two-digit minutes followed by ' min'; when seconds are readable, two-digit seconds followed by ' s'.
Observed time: 1 h 19 min
